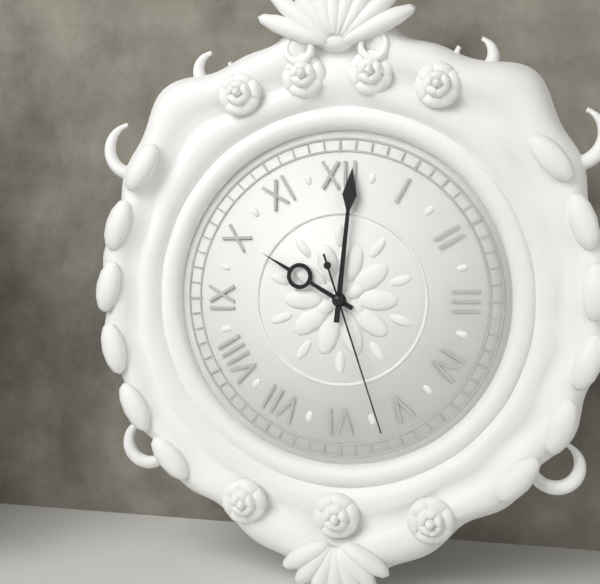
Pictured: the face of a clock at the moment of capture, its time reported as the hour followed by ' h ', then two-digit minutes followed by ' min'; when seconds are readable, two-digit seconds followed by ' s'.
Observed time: 10 h 01 min 27 s
